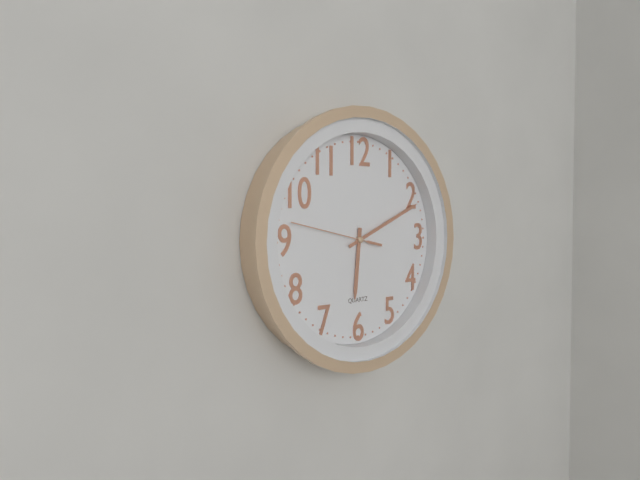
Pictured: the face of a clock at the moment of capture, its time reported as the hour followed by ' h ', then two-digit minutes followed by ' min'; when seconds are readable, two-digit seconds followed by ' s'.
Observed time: 6 h 11 min 47 s
